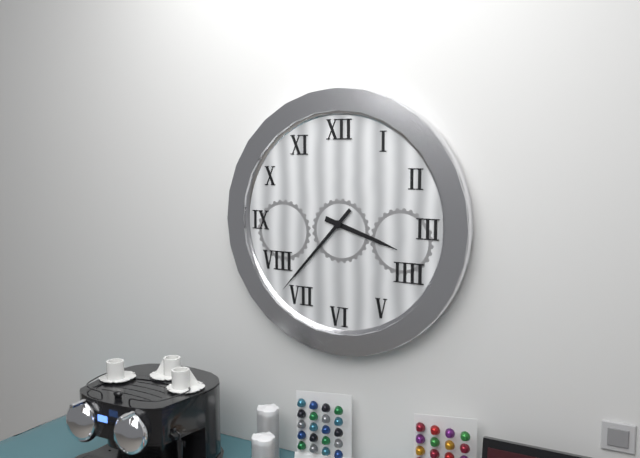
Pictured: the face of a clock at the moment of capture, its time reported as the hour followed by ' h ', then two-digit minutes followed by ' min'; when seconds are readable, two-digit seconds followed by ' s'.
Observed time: 3 h 37 min
